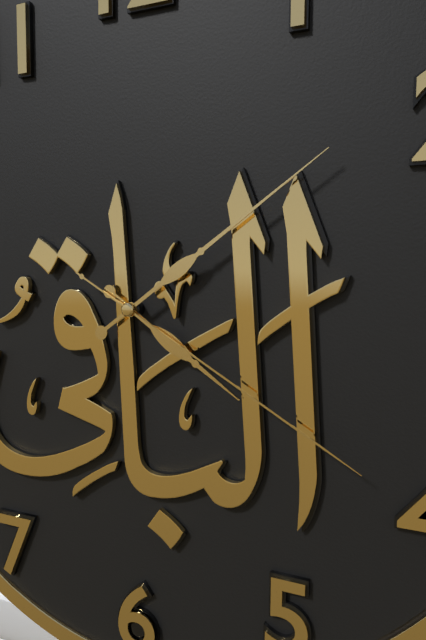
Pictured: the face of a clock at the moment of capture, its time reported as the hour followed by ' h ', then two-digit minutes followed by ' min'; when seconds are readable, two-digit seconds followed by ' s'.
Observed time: 4 h 09 min 20 s
